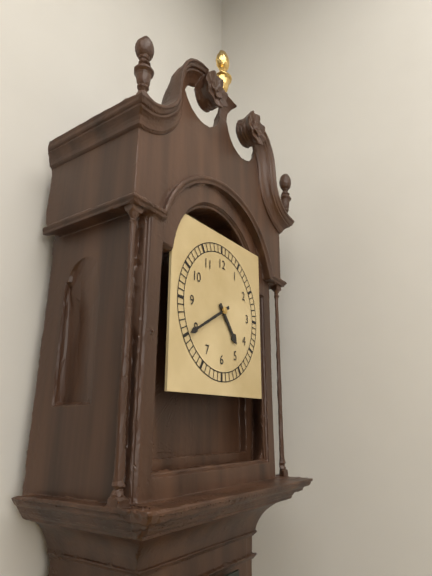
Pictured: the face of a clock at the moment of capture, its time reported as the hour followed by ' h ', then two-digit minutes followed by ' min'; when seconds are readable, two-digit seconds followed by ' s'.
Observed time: 4 h 40 min
